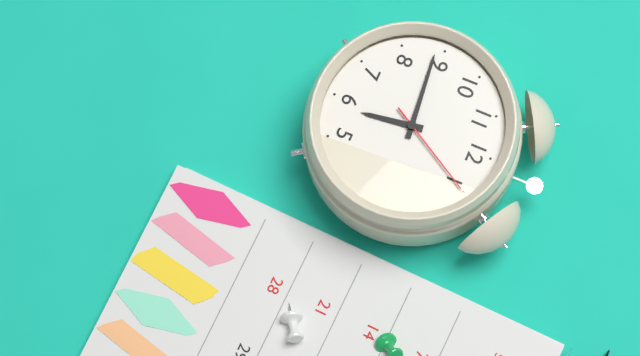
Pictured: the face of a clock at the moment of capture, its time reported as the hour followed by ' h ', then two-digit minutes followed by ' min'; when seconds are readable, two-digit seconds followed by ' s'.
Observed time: 5 h 44 min 05 s
